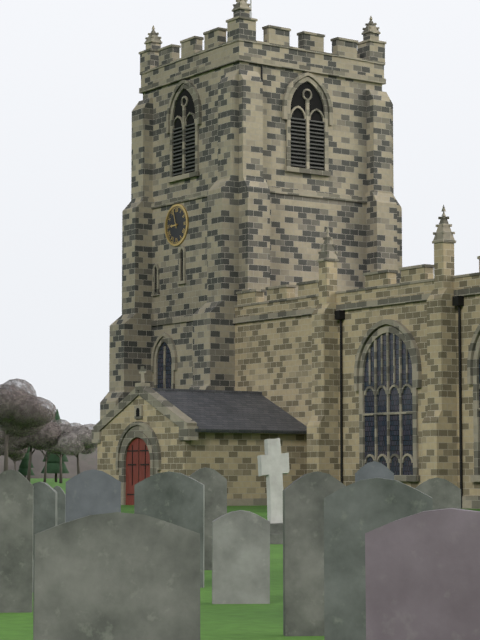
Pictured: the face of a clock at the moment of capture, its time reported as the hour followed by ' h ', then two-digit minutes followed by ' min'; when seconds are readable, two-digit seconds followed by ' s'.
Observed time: 8 h 57 min
